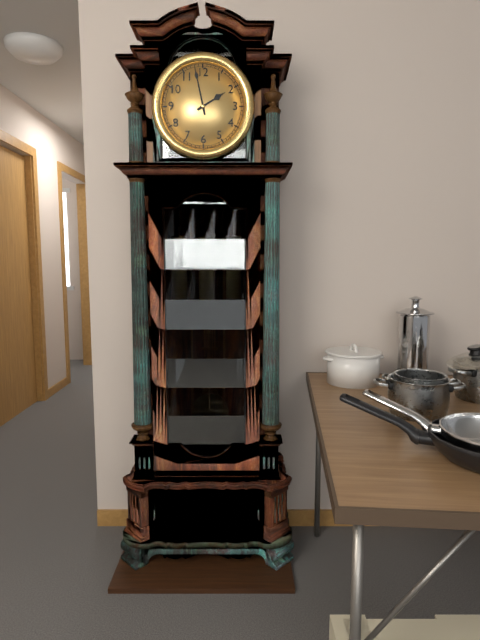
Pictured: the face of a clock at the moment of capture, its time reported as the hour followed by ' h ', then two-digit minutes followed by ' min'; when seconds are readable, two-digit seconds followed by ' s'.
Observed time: 1 h 58 min
